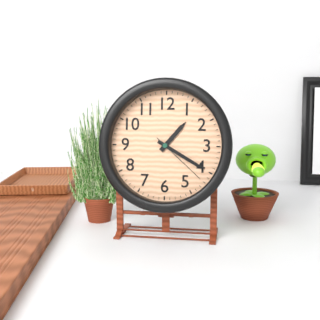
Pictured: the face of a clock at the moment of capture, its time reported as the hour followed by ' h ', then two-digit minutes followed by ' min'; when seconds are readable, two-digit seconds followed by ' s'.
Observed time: 1 h 20 min 22 s
